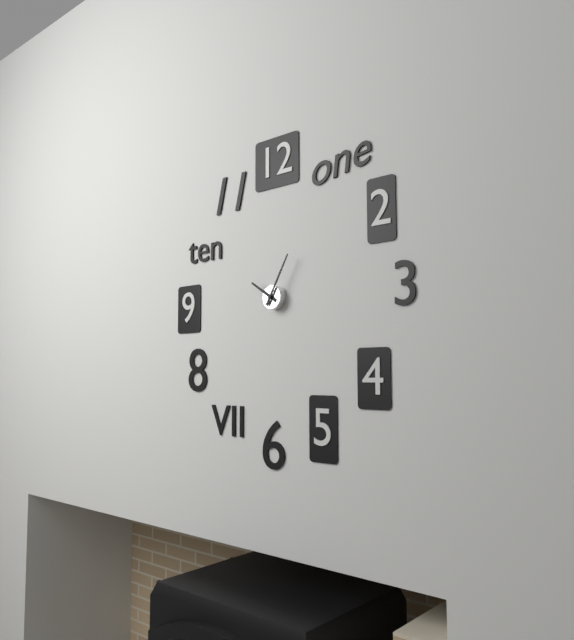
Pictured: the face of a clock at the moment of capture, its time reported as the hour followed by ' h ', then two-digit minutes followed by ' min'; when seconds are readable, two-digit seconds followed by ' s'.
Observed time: 10 h 05 min
